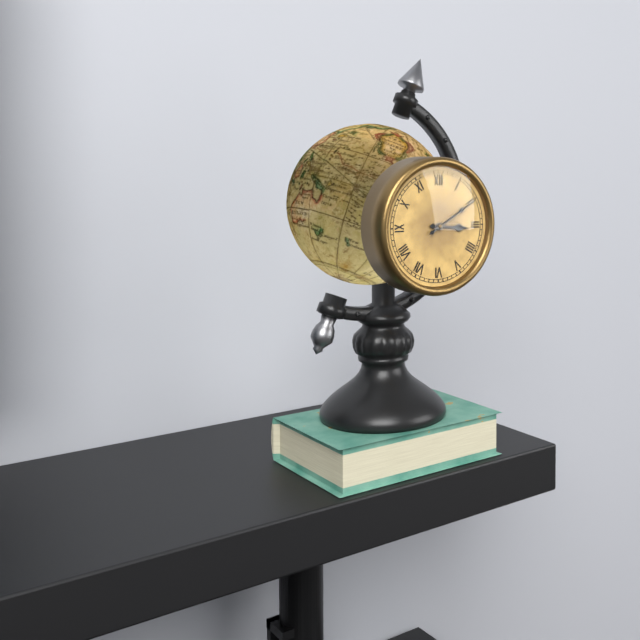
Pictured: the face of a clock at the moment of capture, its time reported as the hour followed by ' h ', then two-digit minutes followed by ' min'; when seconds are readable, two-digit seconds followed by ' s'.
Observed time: 3 h 10 min
